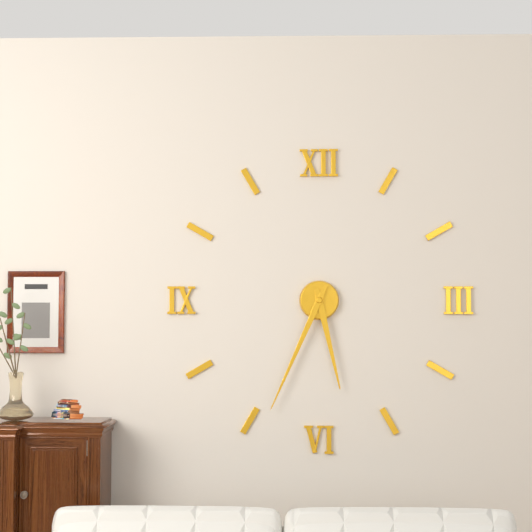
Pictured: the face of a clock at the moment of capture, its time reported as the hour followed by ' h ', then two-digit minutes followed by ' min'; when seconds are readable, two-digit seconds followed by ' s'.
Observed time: 5 h 34 min
